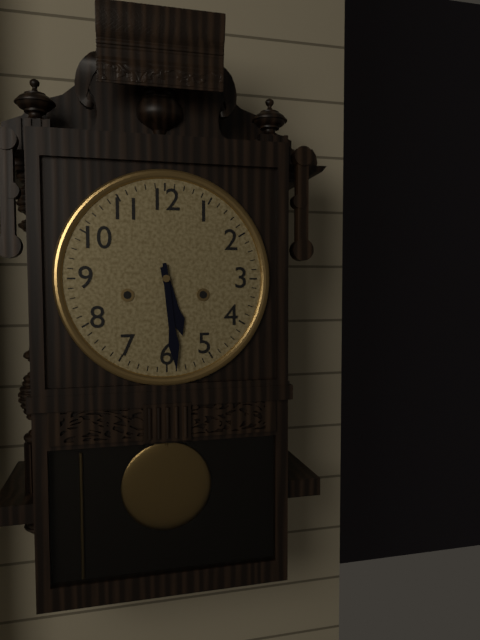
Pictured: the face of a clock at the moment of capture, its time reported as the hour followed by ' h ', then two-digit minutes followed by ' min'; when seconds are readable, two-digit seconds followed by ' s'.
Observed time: 5 h 29 min
